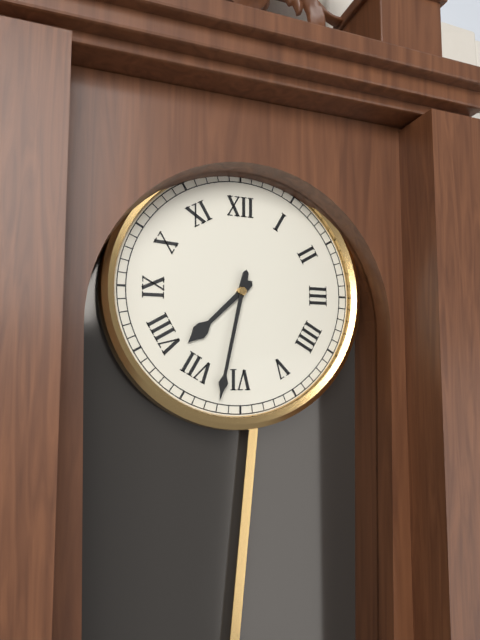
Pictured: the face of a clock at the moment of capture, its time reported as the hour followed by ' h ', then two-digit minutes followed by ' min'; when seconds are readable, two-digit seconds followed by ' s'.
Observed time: 7 h 32 min
